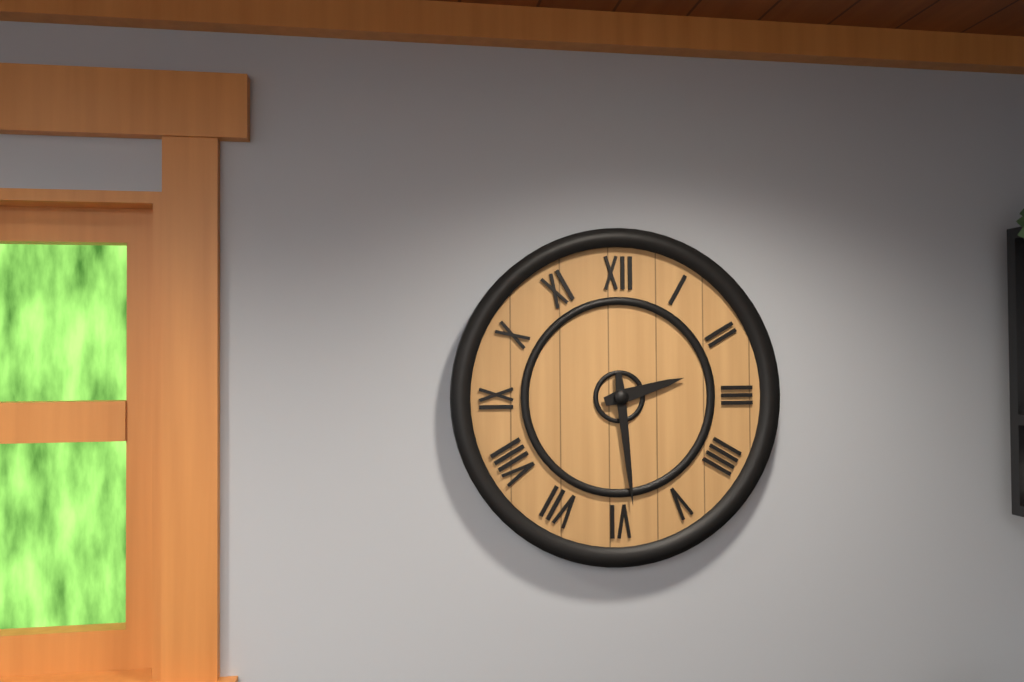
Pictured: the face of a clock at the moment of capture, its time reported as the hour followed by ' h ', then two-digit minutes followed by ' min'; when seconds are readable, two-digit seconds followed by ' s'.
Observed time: 2 h 29 min
